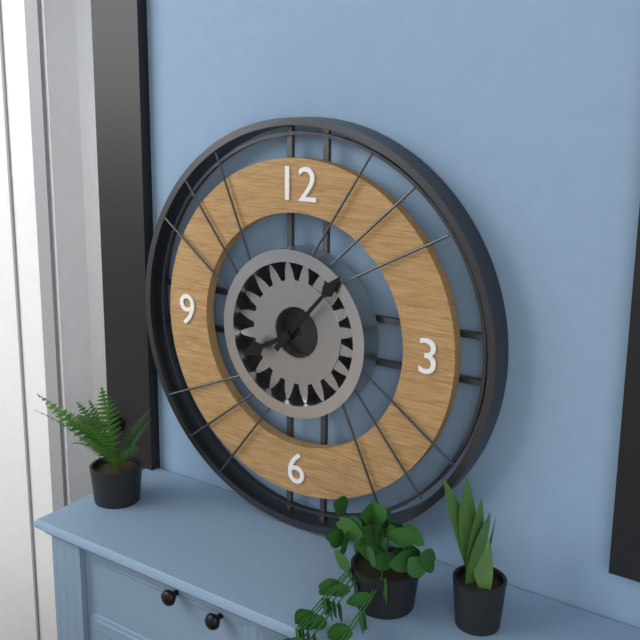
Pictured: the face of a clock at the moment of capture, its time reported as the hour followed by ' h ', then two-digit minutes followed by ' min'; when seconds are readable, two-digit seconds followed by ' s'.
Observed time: 8 h 07 min
